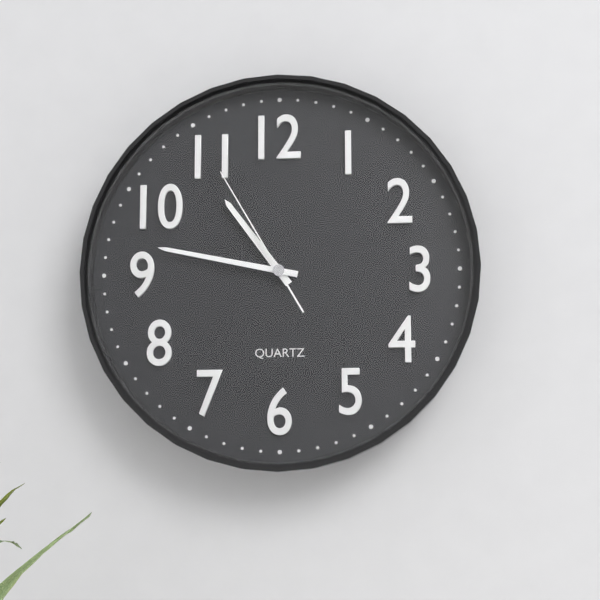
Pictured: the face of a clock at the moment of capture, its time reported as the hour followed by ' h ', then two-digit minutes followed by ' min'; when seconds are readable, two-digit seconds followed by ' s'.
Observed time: 10 h 47 min 55 s
